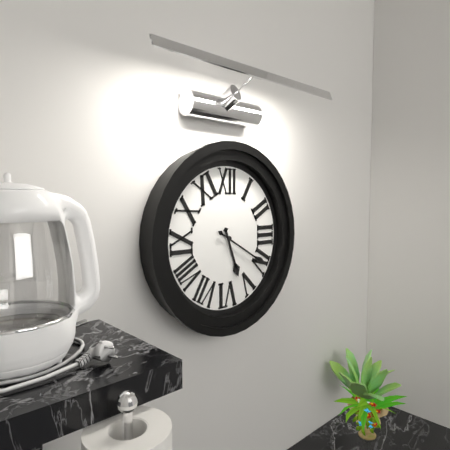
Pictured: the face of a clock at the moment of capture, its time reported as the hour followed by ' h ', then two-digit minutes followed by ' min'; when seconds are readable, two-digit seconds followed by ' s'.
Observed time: 5 h 20 min
